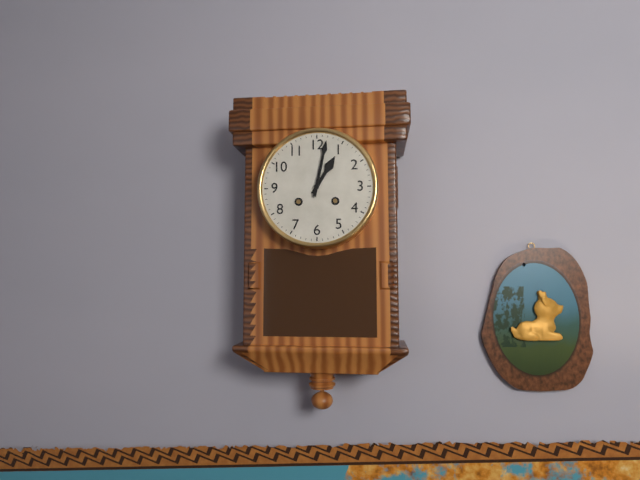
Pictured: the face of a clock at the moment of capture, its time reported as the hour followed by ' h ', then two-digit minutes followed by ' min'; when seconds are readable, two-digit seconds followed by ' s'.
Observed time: 1 h 02 min
